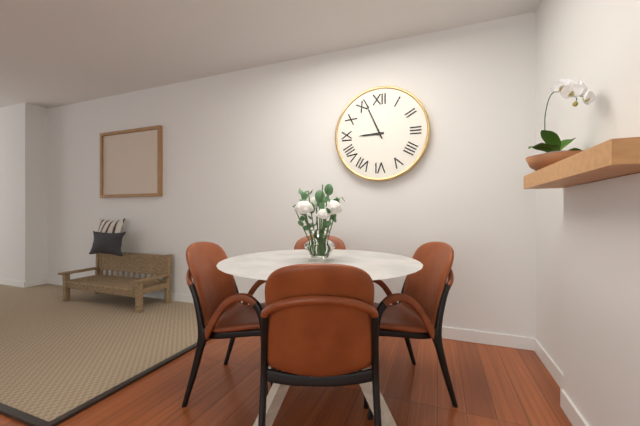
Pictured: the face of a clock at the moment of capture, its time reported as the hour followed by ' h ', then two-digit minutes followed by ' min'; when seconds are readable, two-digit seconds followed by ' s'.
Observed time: 8 h 56 min
